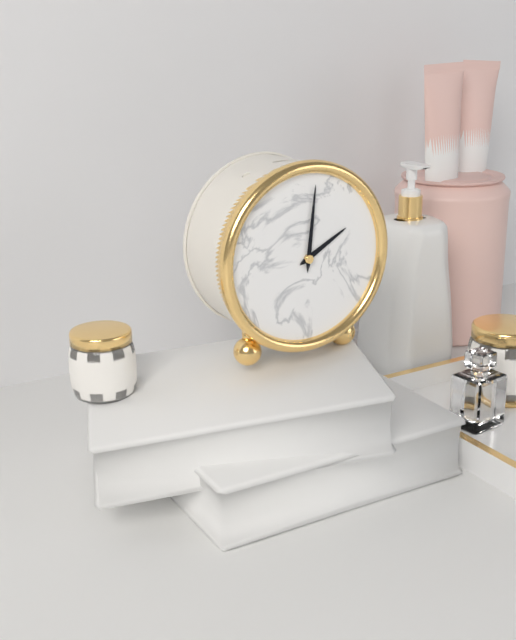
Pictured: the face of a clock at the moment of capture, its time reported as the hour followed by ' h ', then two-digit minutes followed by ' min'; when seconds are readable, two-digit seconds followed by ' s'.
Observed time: 2 h 01 min
